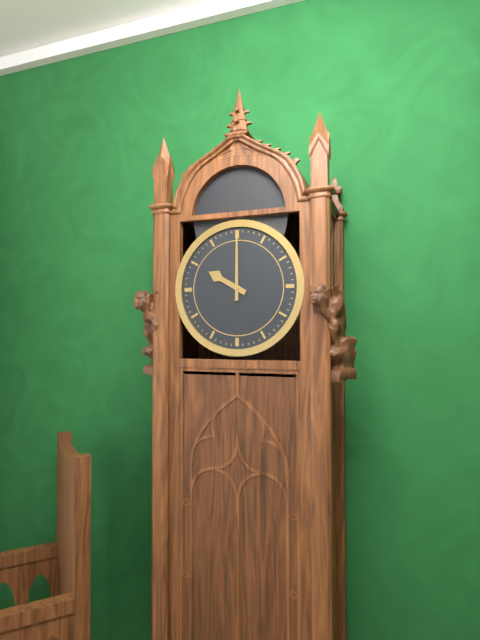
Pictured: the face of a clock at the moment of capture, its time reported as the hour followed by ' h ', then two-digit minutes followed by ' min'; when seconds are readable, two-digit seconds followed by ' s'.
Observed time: 10 h 00 min
